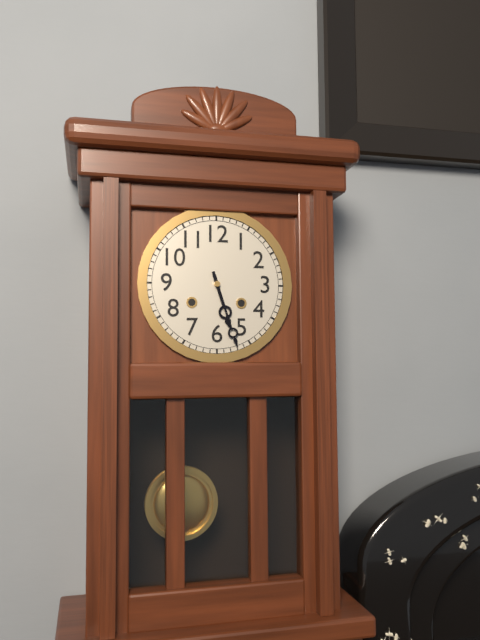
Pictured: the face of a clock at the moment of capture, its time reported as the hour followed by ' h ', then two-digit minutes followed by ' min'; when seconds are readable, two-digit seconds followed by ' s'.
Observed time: 5 h 27 min
